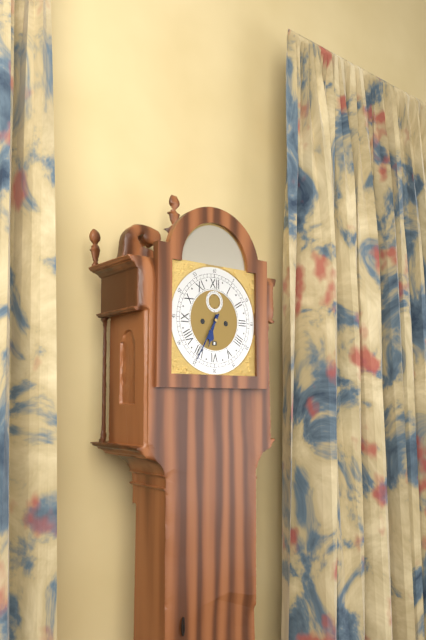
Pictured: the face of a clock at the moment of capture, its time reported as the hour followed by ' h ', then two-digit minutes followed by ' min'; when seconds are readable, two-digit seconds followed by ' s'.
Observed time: 6 h 35 min
